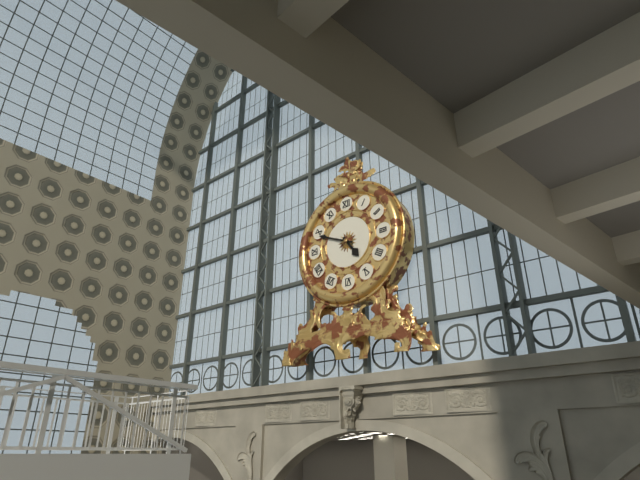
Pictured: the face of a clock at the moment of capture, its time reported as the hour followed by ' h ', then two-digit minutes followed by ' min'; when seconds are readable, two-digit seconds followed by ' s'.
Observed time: 4 h 49 min
